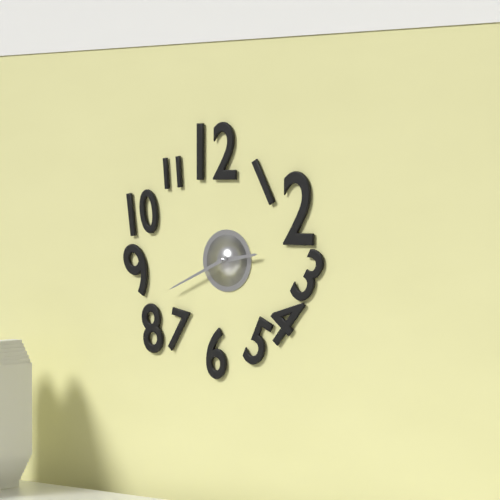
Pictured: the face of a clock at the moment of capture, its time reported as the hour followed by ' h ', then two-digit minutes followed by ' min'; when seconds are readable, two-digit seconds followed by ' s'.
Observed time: 2 h 41 min
